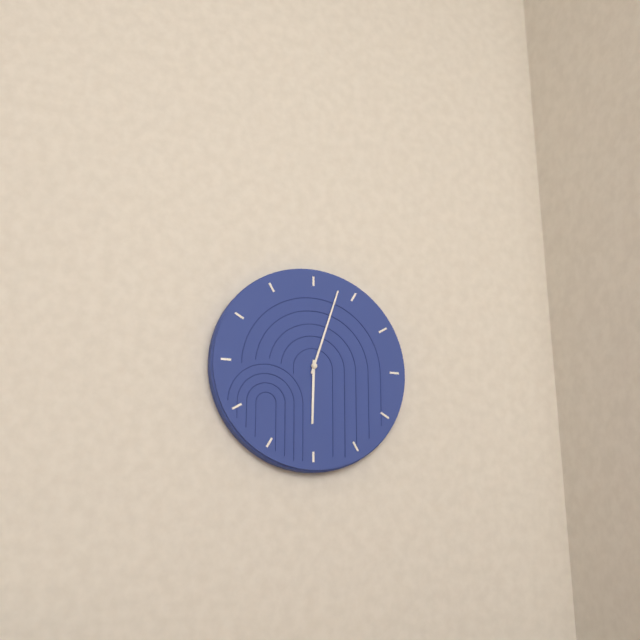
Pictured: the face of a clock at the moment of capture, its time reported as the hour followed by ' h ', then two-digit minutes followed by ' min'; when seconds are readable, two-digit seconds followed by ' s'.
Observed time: 6 h 03 min
